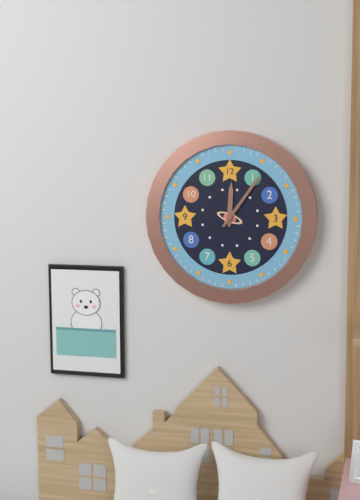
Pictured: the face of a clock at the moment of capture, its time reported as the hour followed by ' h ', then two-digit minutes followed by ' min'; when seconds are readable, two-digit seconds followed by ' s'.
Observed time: 12 h 06 min
